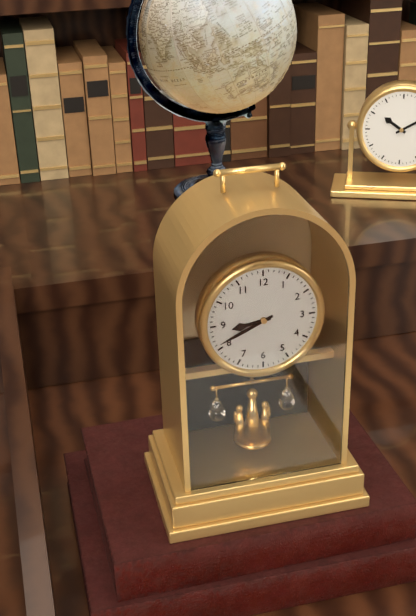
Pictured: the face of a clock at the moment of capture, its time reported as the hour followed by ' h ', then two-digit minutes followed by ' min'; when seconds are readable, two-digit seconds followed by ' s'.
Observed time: 8 h 41 min
